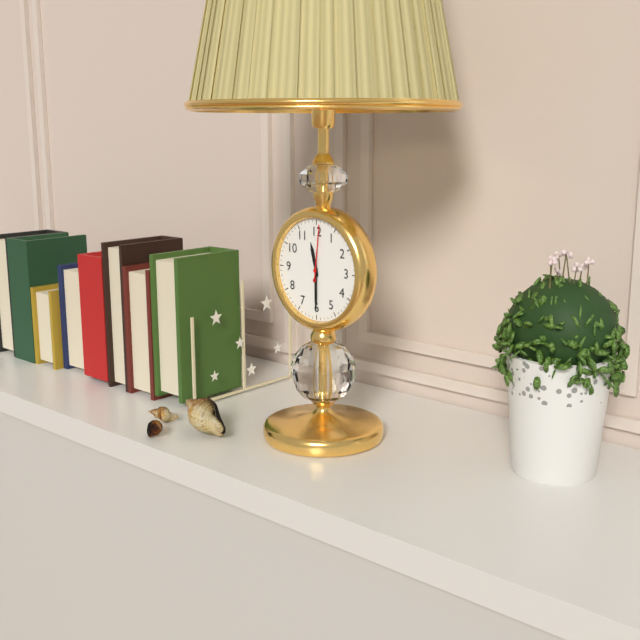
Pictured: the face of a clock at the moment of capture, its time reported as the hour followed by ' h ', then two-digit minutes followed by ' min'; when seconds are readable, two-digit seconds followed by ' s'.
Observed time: 11 h 30 min 01 s
